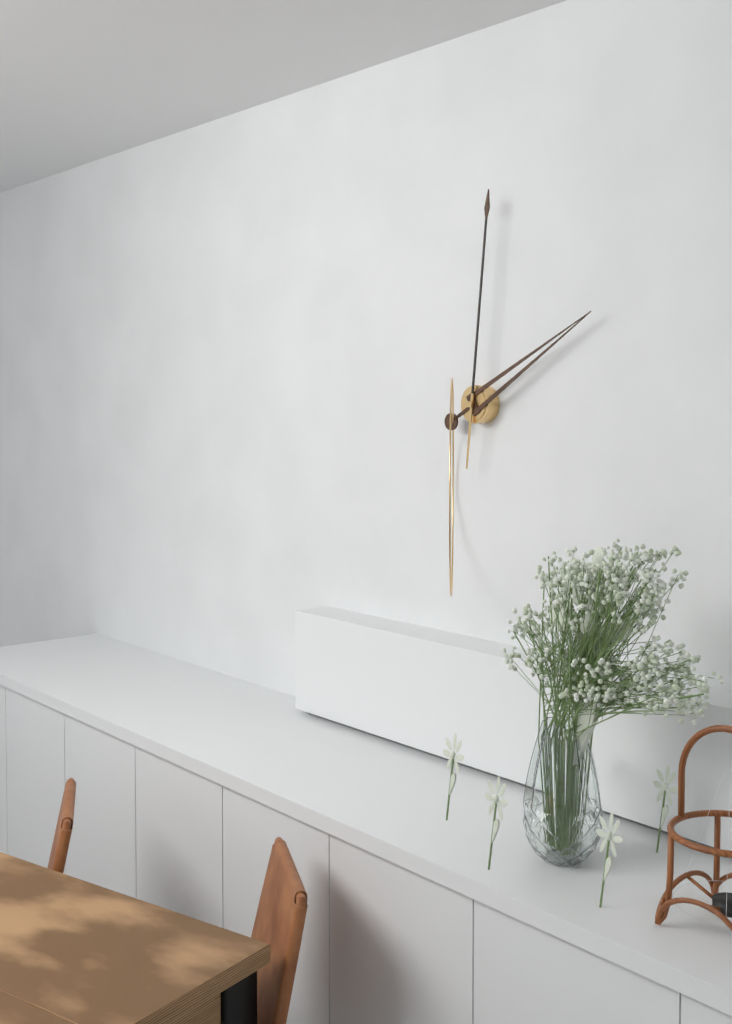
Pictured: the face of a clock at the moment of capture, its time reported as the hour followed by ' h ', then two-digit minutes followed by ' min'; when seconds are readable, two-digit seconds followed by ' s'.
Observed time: 2 h 01 min
